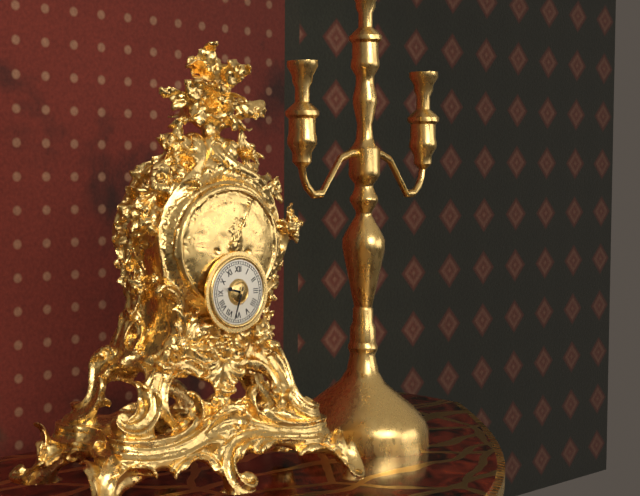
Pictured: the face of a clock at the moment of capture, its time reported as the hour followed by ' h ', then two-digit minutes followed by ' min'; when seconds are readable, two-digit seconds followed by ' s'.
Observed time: 9 h 33 min
